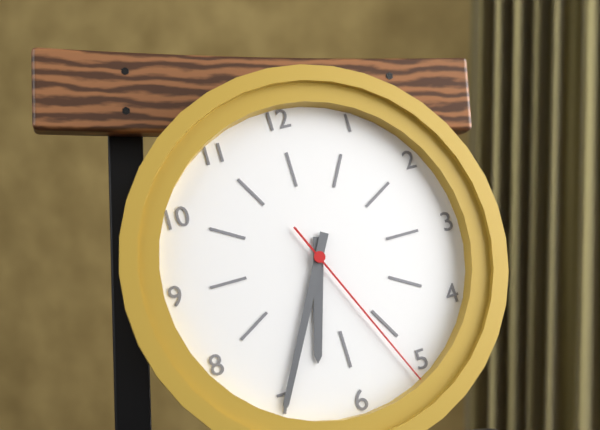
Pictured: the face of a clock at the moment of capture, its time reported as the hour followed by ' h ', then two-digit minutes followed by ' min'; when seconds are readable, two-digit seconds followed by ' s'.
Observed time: 6 h 35 min 26 s
